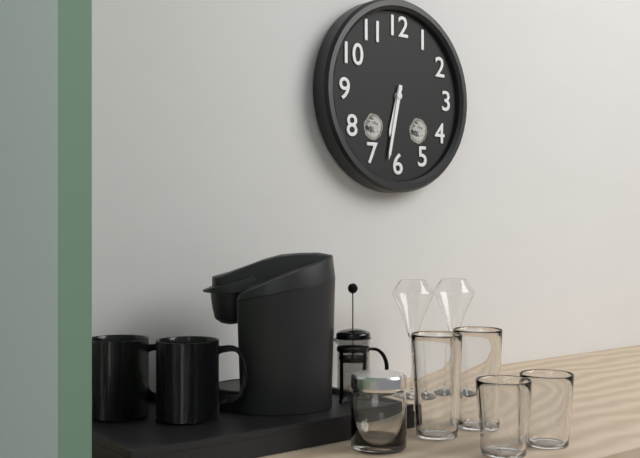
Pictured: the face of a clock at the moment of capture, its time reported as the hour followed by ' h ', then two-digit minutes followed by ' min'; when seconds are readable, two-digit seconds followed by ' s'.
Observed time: 6 h 32 min
